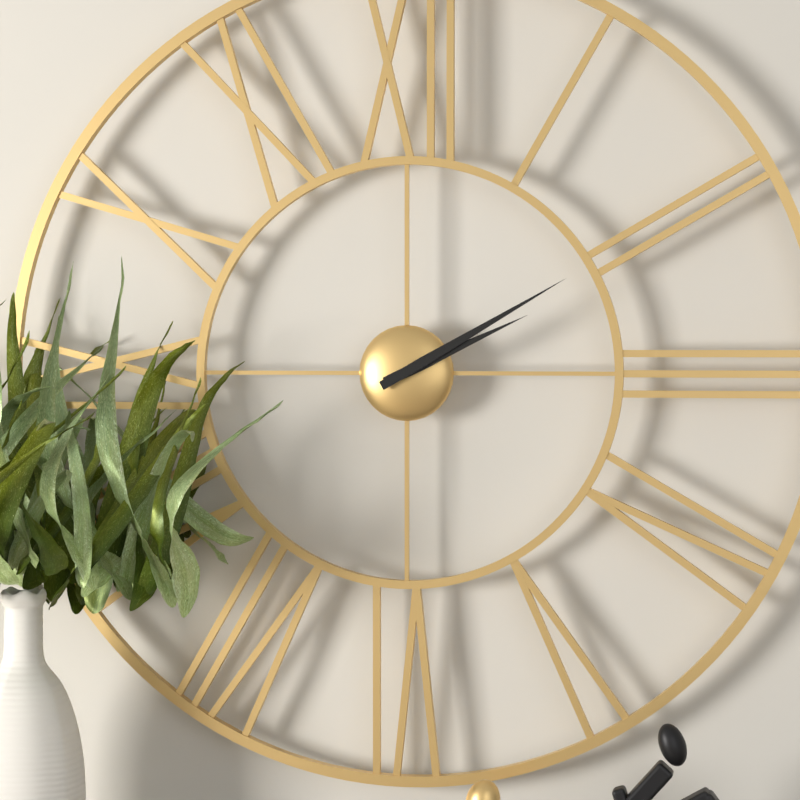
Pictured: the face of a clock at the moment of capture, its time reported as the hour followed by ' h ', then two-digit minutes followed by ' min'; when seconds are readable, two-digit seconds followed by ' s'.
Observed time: 2 h 10 min
